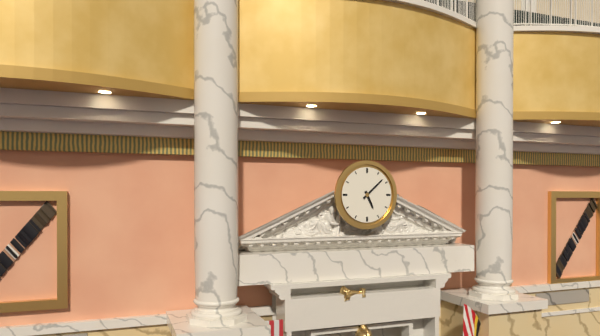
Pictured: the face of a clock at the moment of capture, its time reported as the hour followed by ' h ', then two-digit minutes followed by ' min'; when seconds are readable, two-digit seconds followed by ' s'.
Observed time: 5 h 08 min
